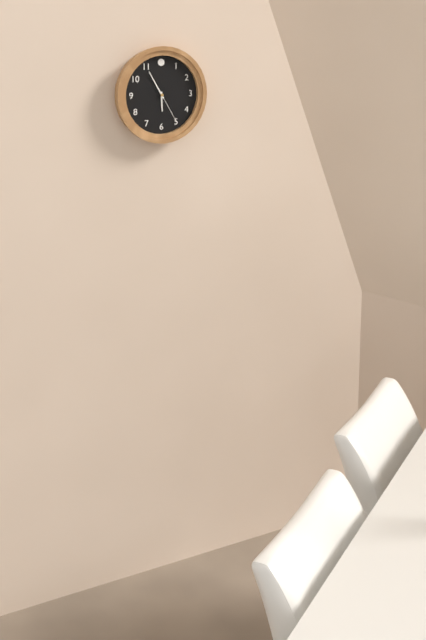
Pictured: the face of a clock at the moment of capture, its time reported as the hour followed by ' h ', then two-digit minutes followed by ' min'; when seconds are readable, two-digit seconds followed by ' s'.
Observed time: 5 h 55 min
